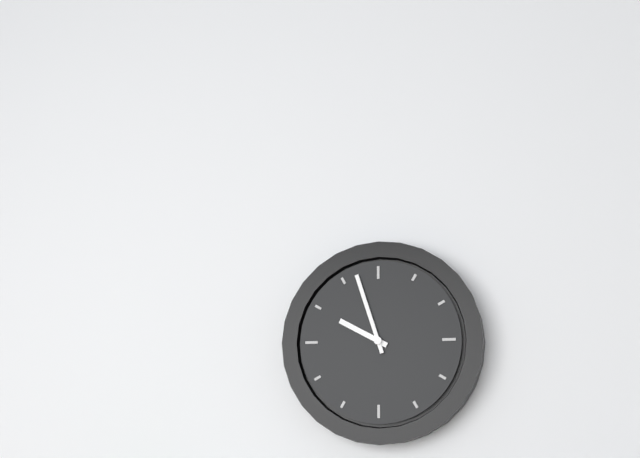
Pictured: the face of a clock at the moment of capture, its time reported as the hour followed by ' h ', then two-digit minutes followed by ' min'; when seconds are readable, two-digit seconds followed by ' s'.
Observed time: 9 h 57 min
